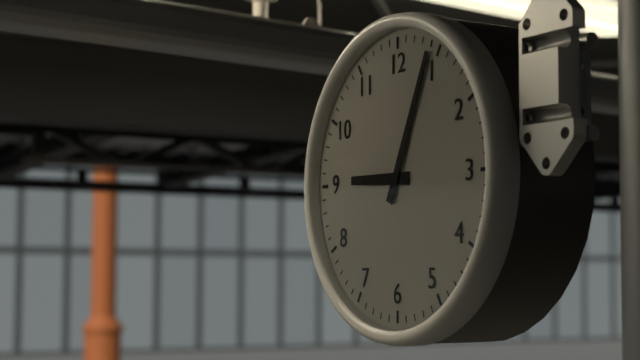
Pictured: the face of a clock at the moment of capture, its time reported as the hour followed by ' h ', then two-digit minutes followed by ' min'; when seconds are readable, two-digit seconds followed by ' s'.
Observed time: 9 h 04 min
